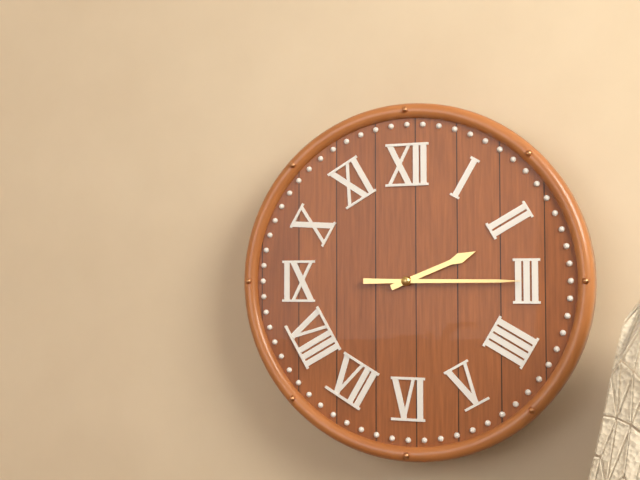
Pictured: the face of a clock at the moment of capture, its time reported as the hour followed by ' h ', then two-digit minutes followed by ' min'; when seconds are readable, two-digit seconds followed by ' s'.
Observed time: 2 h 15 min
